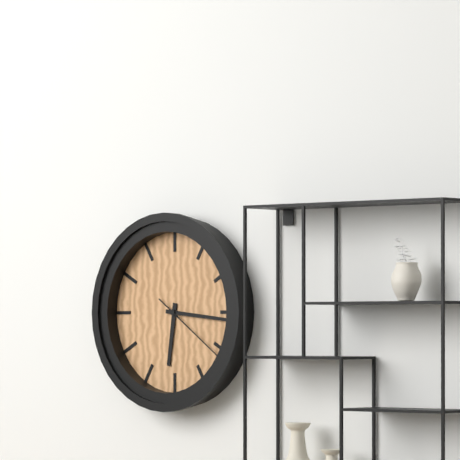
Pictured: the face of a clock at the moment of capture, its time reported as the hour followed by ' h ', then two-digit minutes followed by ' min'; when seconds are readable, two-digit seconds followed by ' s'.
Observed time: 6 h 16 min 21 s
